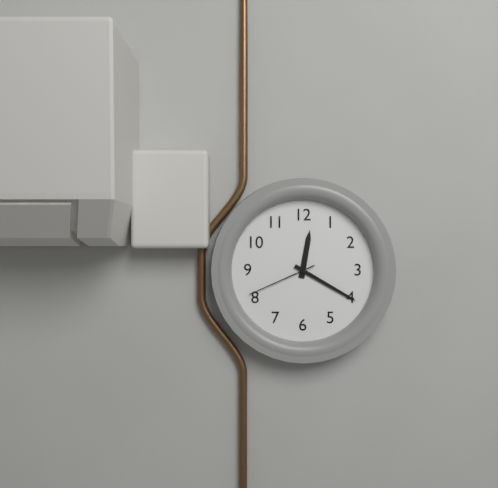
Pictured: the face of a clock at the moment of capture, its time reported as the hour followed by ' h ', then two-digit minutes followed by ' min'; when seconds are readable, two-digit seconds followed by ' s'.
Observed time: 12 h 20 min 41 s
